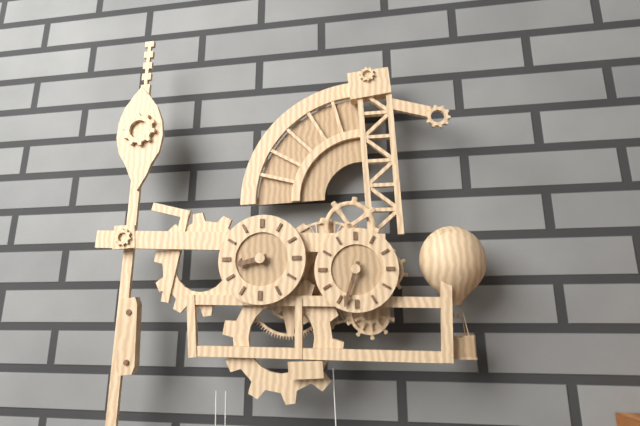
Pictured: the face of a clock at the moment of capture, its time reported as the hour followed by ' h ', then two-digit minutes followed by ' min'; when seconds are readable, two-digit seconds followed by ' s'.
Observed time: 8 h 33 min
